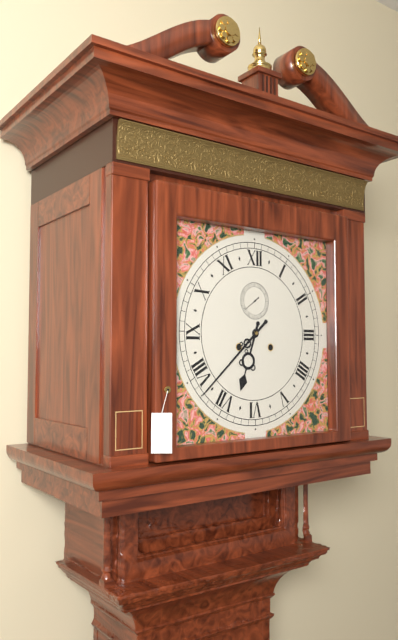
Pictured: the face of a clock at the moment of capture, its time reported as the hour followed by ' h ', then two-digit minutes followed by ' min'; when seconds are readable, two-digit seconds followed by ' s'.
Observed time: 6 h 38 min
